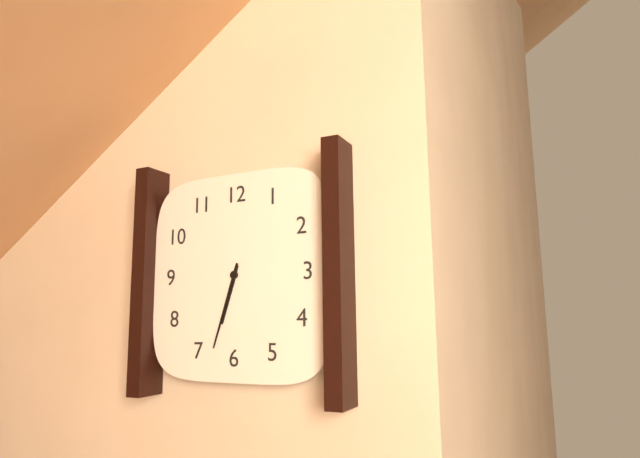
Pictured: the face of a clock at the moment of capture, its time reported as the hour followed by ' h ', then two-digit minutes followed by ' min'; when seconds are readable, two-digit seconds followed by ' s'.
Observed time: 6 h 33 min
